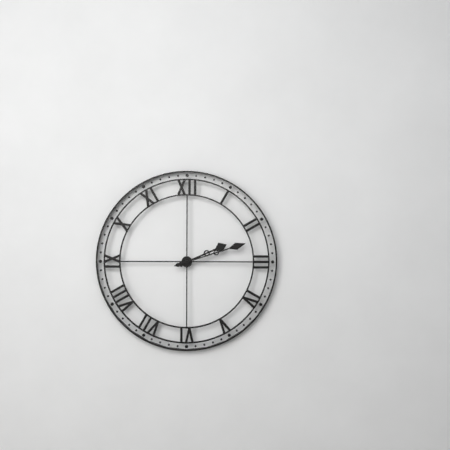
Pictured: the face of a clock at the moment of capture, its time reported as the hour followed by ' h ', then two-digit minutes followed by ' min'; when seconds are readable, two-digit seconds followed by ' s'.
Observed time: 2 h 12 min
